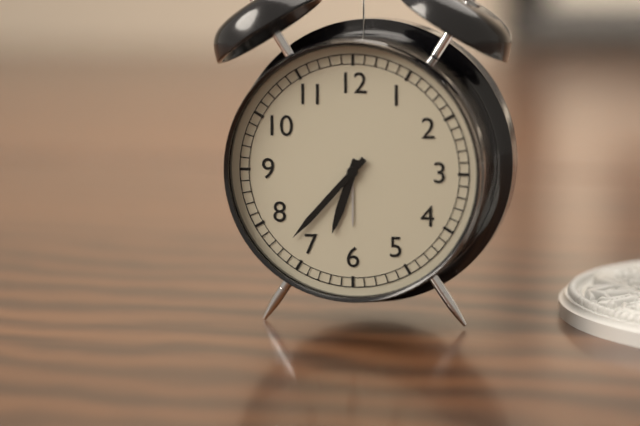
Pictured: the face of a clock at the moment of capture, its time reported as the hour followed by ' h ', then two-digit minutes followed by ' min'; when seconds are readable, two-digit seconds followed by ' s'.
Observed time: 6 h 37 min
